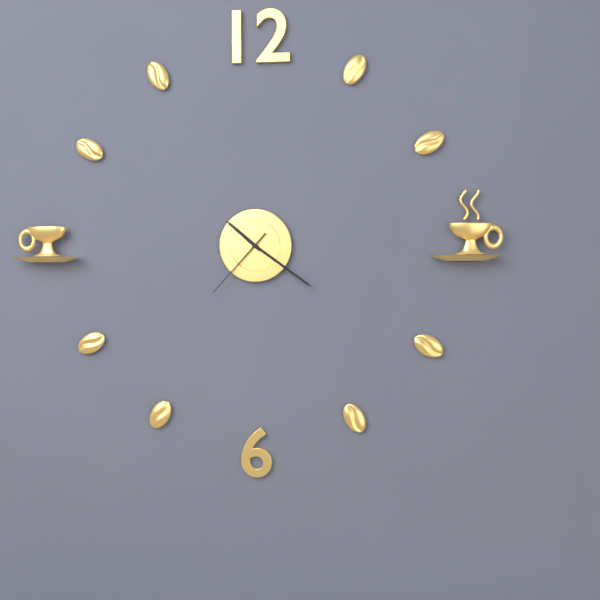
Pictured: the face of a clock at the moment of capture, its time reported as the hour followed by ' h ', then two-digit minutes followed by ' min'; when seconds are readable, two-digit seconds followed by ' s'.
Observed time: 10 h 21 min 37 s
